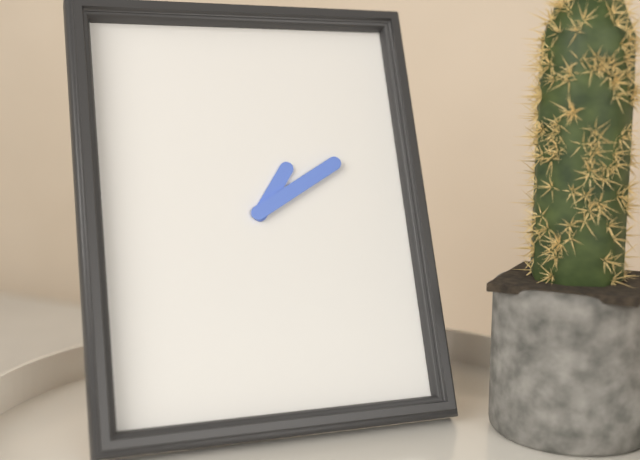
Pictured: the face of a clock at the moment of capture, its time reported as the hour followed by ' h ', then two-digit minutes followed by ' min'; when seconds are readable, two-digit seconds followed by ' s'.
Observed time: 1 h 10 min
